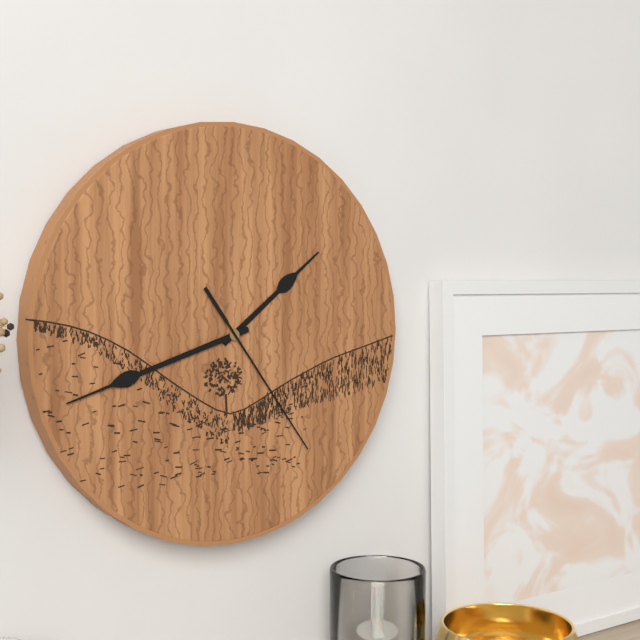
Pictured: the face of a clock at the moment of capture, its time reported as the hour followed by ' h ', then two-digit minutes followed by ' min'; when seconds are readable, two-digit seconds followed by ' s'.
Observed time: 1 h 42 min 24 s
